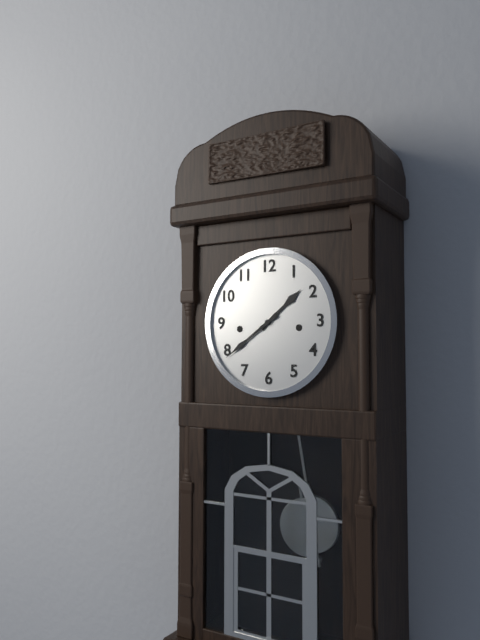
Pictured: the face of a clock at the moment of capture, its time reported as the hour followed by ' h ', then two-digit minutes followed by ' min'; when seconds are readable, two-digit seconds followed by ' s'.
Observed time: 1 h 39 min
